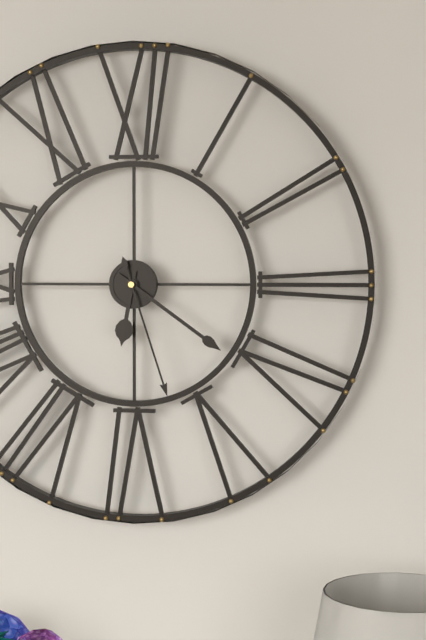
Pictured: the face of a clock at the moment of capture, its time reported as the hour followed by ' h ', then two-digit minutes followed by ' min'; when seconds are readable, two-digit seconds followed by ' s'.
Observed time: 6 h 21 min 27 s
